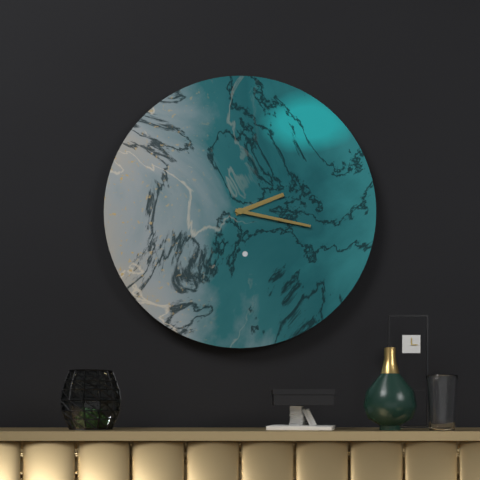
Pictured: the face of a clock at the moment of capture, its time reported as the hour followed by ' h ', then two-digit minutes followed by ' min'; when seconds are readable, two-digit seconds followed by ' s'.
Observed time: 2 h 17 min
